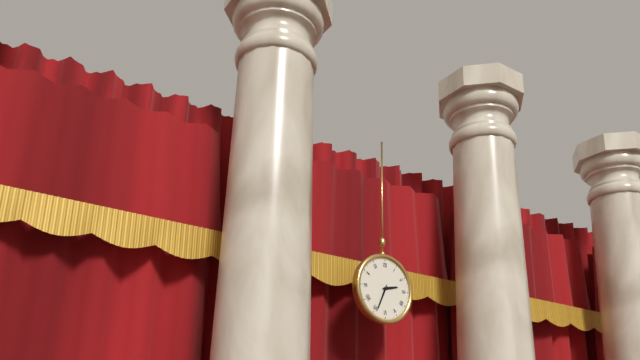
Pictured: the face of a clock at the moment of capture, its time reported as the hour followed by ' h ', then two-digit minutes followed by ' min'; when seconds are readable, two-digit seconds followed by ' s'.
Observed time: 2 h 34 min
